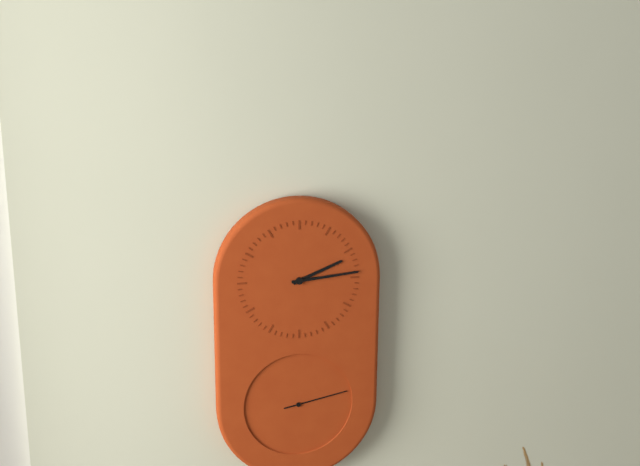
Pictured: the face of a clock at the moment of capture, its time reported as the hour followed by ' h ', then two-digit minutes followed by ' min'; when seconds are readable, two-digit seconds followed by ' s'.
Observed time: 2 h 14 min 13 s
